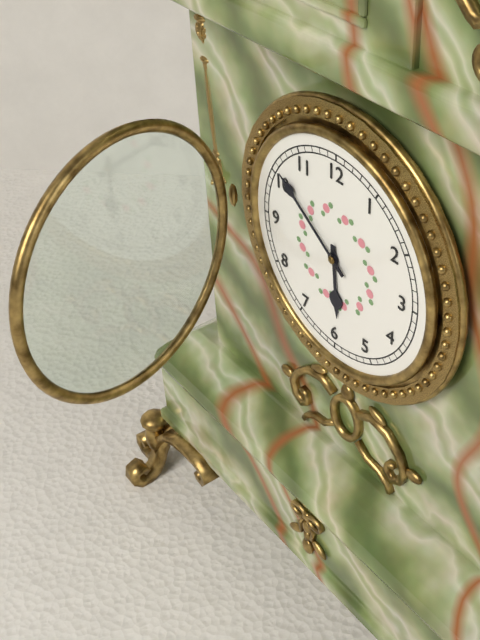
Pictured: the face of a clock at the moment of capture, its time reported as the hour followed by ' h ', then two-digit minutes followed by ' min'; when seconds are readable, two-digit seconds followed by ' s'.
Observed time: 5 h 51 min
